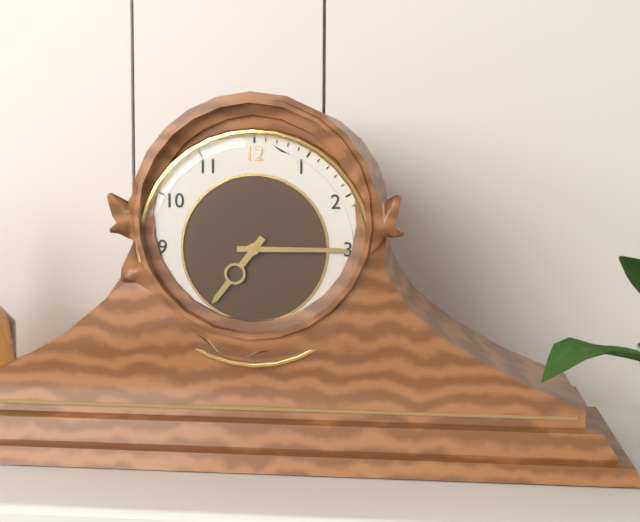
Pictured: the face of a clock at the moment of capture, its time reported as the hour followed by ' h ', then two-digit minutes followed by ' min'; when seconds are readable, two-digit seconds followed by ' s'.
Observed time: 7 h 15 min
